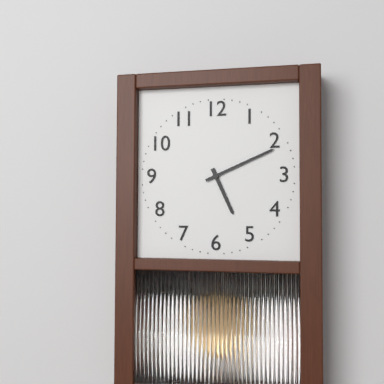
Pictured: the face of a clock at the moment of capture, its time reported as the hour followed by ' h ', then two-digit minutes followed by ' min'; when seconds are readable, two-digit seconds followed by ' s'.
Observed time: 5 h 11 min
